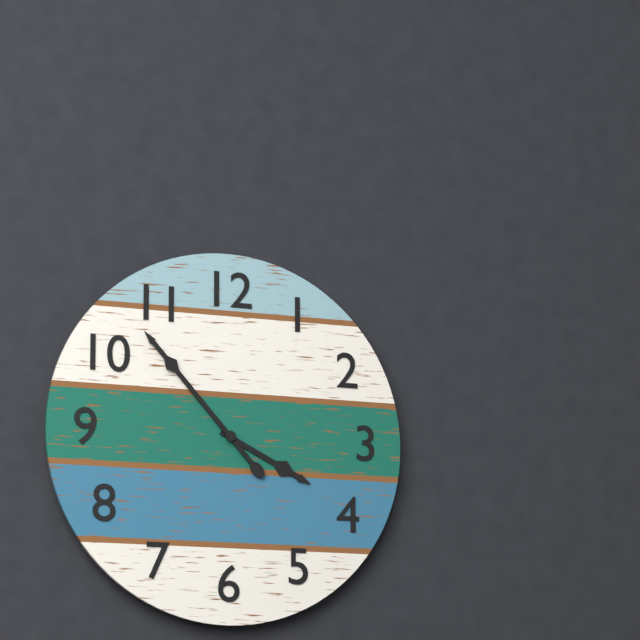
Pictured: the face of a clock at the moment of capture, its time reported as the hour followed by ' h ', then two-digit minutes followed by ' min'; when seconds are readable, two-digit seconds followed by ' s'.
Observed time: 3 h 53 min
